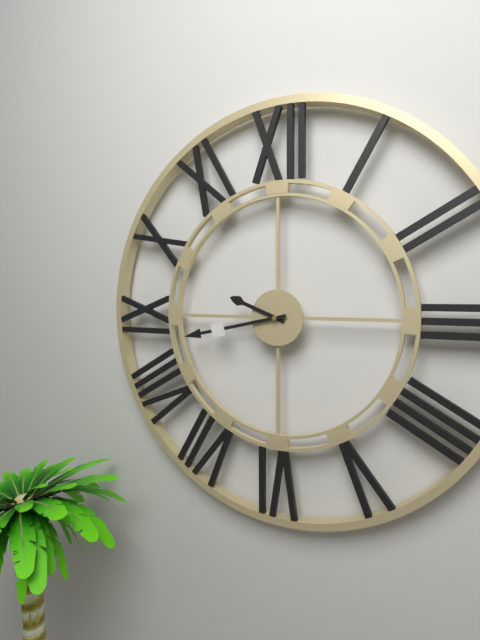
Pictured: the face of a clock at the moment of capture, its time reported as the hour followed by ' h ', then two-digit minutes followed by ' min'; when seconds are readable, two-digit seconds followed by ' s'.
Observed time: 9 h 43 min
